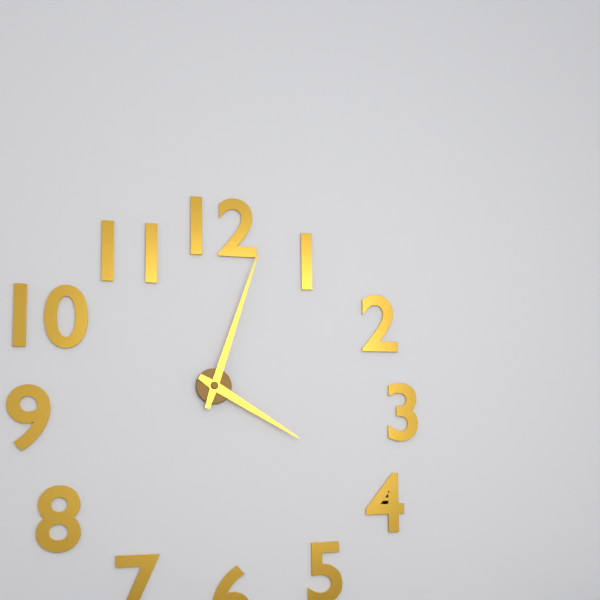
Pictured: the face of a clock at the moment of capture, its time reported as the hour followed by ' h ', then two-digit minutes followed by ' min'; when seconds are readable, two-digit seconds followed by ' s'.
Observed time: 4 h 03 min
